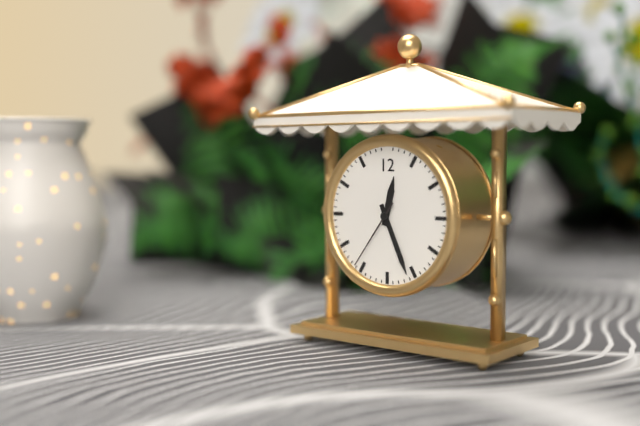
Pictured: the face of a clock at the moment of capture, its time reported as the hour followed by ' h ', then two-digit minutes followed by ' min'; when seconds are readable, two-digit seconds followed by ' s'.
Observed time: 12 h 26 min 36 s
